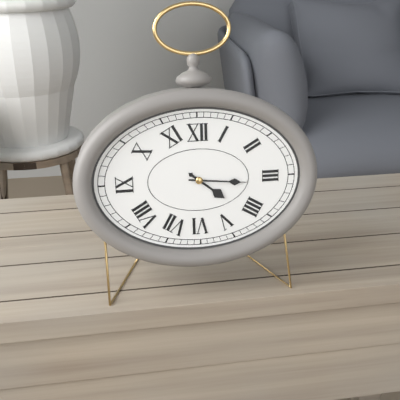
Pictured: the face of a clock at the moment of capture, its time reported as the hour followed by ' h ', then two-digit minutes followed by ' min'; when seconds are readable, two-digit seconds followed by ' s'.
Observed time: 4 h 16 min
